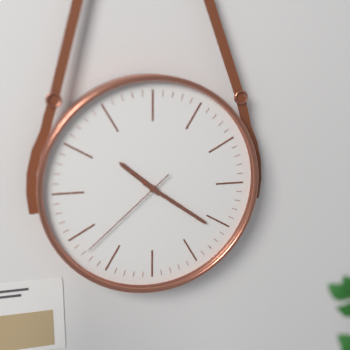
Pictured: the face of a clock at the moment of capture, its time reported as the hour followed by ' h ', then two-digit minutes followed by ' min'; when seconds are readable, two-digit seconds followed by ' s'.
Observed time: 10 h 21 min 38 s
